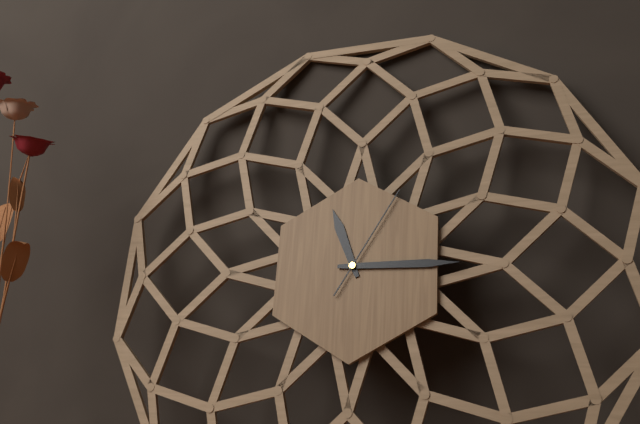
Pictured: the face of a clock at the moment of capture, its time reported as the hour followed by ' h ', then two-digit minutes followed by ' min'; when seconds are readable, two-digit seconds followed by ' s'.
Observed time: 11 h 15 min 05 s
